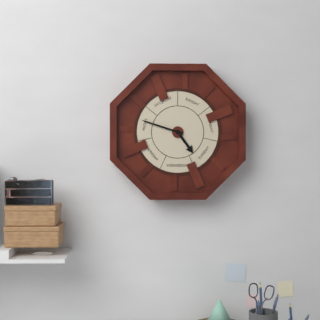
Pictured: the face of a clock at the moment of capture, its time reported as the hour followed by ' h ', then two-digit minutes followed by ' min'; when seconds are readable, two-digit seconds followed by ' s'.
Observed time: 4 h 48 min
